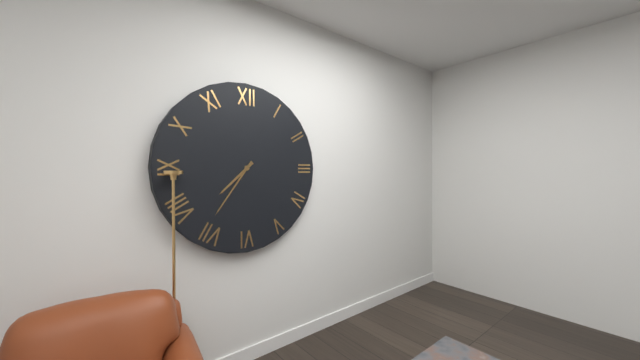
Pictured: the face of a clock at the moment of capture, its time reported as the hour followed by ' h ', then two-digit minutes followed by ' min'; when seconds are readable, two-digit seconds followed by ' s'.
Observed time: 7 h 36 min
